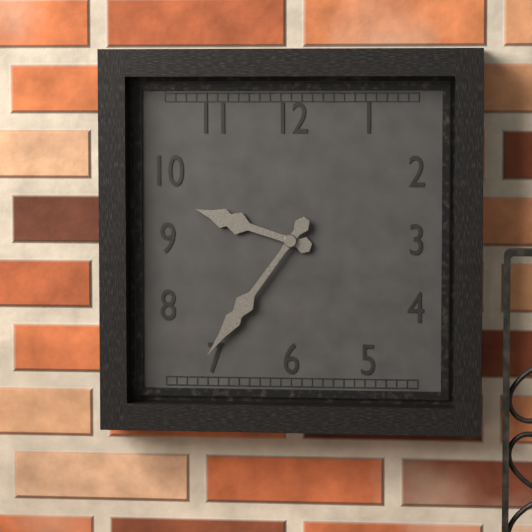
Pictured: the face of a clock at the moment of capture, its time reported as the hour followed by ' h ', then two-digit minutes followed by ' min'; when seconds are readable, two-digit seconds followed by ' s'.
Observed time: 9 h 36 min
